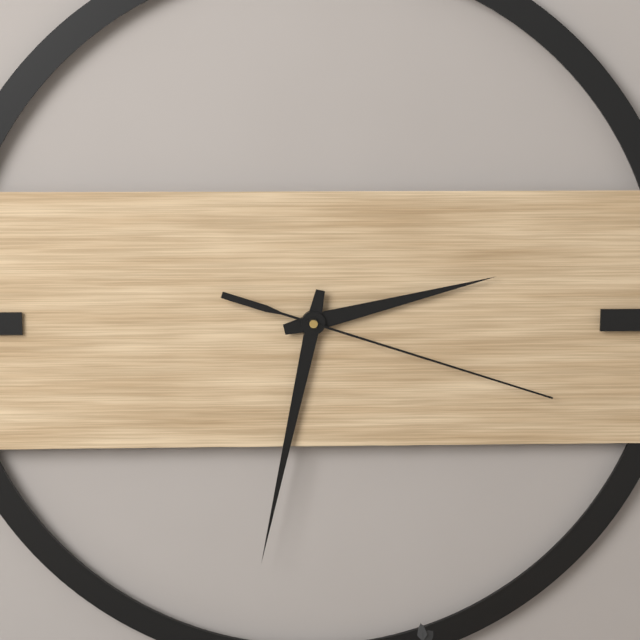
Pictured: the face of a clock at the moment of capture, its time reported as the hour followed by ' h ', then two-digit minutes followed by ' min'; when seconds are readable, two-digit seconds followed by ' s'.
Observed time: 2 h 32 min 18 s
